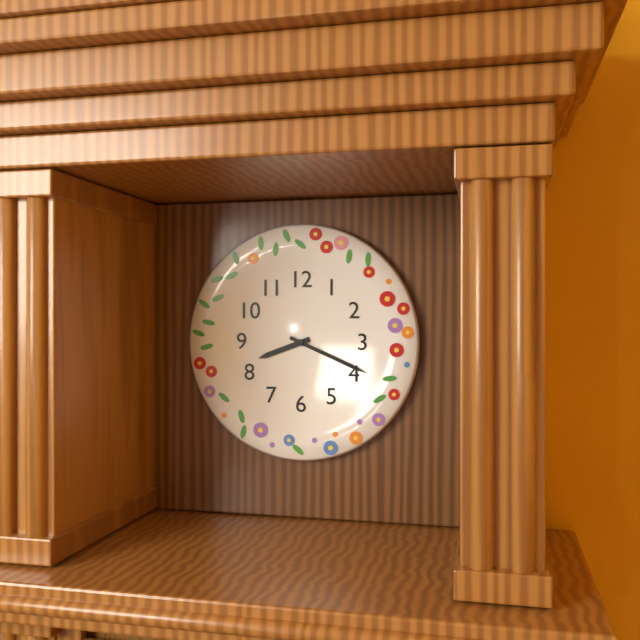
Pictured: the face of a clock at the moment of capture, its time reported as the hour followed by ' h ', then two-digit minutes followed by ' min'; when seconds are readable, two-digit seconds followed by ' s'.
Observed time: 8 h 19 min
